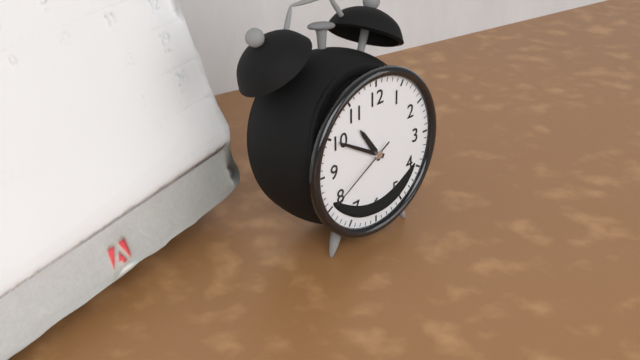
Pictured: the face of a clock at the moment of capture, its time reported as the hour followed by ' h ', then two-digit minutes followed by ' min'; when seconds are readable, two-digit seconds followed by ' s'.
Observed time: 10 h 50 min 40 s
